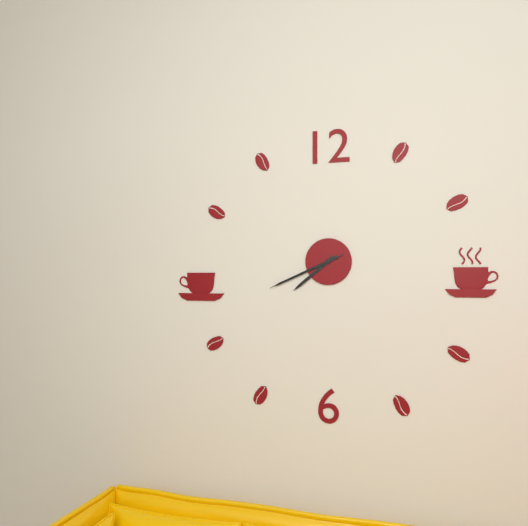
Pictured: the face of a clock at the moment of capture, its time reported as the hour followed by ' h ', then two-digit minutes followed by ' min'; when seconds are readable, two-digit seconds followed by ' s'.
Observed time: 7 h 41 min 41 s
